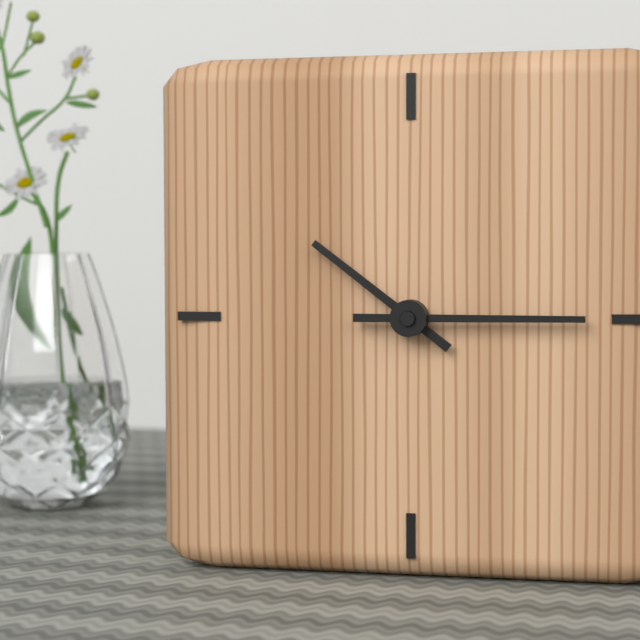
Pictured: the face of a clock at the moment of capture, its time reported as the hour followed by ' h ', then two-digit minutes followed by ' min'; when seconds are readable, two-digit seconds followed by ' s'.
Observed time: 10 h 15 min
